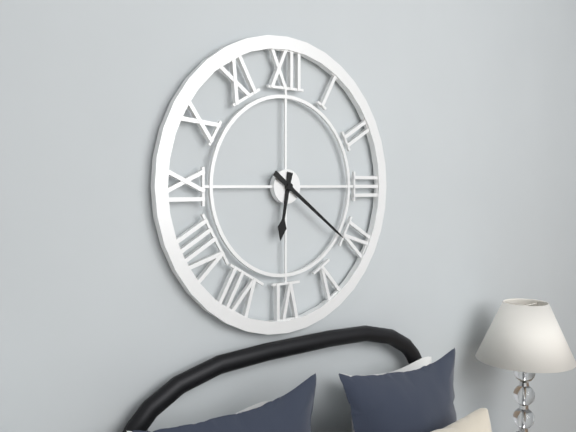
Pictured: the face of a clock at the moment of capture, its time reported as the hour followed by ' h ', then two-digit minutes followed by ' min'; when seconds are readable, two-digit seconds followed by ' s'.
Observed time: 6 h 21 min
